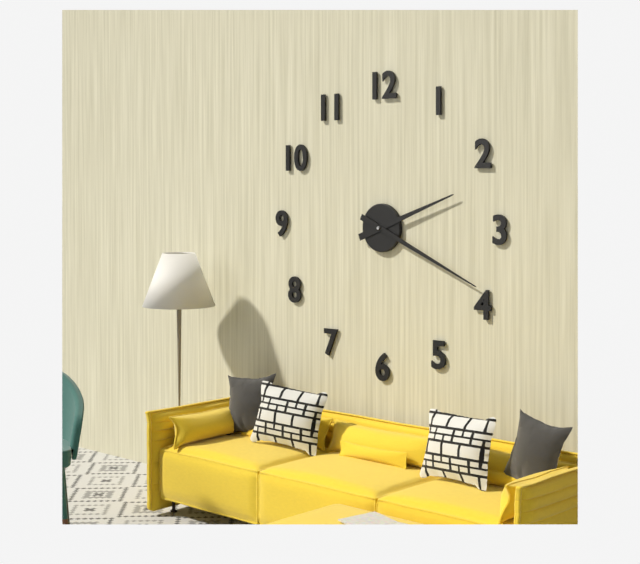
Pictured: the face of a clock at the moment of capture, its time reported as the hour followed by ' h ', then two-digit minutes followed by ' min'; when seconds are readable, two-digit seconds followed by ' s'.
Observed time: 2 h 19 min
